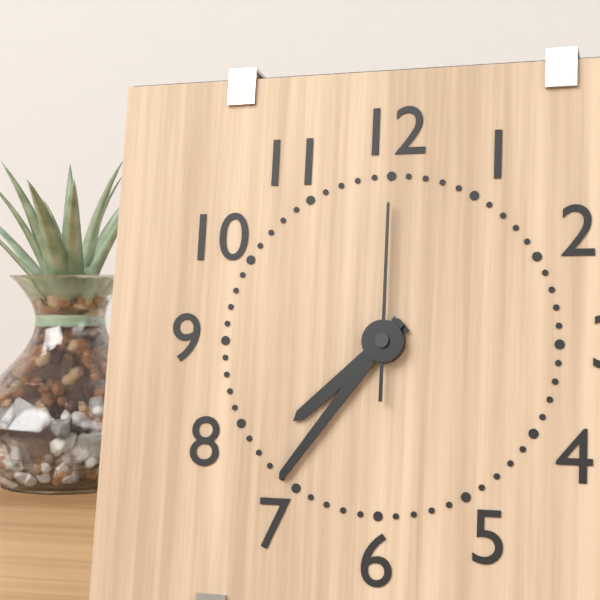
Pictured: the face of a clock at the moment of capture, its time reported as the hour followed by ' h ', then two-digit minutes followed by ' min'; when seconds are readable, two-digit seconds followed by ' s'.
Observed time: 7 h 36 min 00 s
